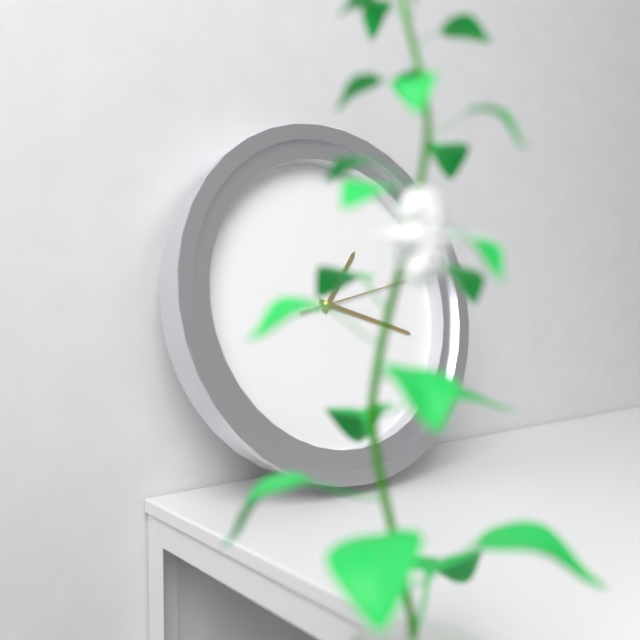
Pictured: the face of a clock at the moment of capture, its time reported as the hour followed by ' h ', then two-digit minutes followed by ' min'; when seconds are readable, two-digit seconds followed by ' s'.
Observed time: 1 h 18 min 13 s
